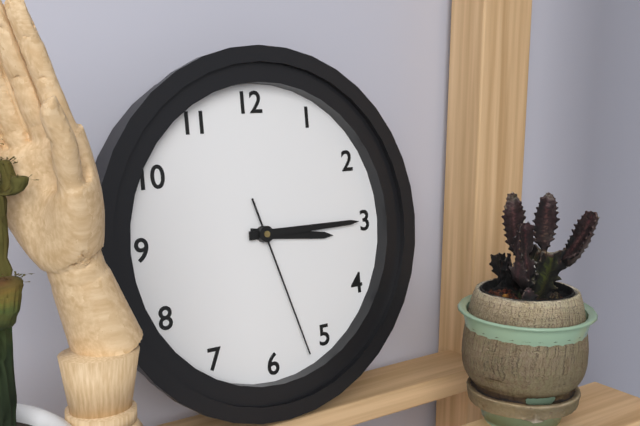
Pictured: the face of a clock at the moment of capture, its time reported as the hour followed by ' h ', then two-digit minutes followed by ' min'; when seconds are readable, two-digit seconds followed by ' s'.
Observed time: 3 h 15 min 27 s
